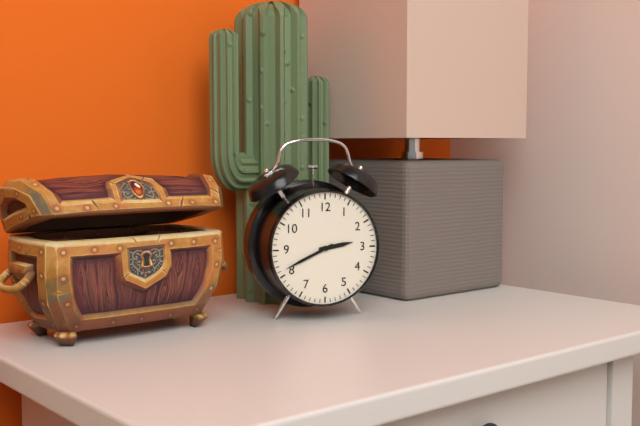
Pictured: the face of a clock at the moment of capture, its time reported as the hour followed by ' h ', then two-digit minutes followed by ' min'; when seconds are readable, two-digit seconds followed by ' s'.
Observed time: 2 h 41 min
